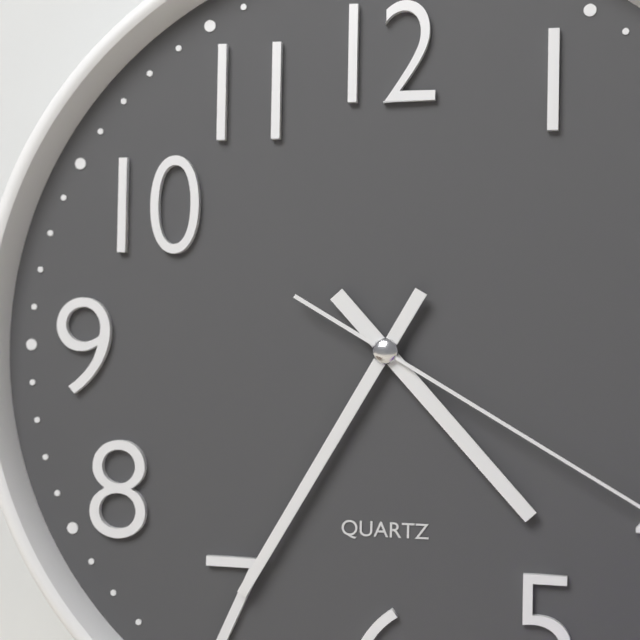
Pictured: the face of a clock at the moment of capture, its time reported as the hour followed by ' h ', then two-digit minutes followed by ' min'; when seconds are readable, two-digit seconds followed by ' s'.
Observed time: 4 h 35 min
